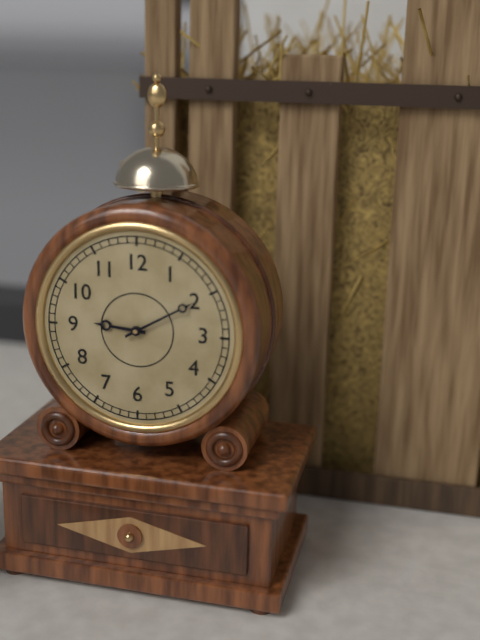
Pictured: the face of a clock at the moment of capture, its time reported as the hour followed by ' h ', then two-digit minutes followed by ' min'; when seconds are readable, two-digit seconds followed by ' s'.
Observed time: 9 h 10 min
